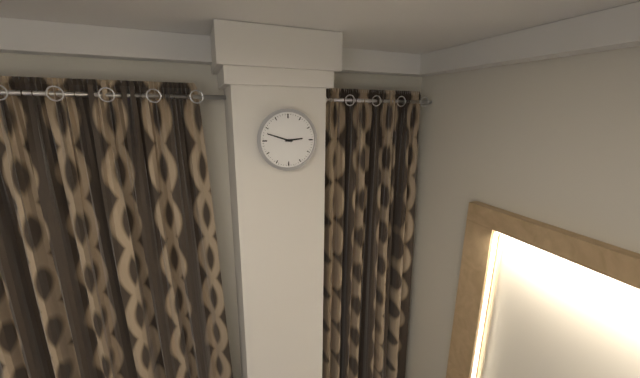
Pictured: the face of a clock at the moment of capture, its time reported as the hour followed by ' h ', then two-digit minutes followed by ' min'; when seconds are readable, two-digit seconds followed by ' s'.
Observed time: 2 h 48 min
